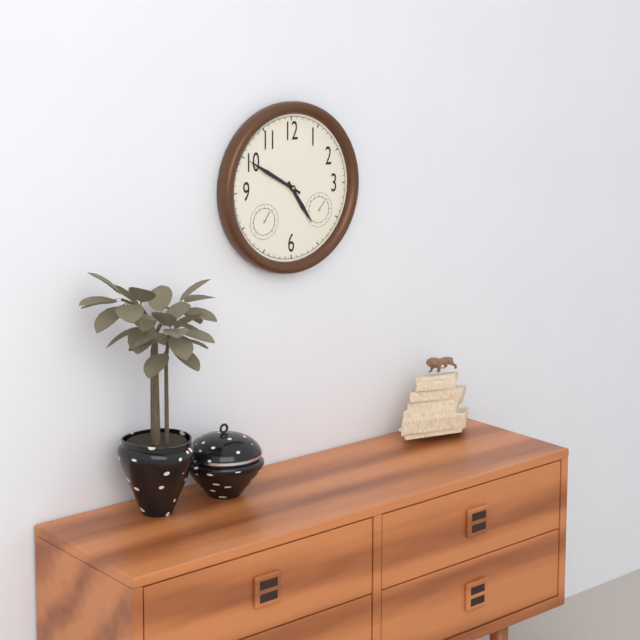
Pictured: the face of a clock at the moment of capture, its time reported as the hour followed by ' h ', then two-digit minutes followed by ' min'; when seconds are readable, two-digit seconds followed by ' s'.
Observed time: 4 h 50 min
